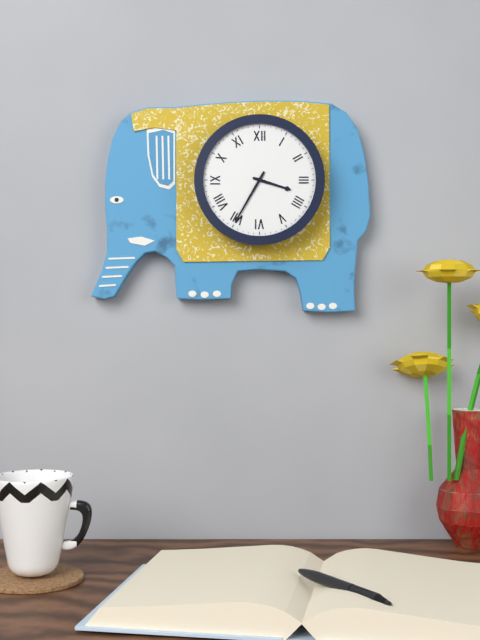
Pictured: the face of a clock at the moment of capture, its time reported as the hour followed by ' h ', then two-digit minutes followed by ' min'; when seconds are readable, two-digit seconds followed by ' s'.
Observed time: 3 h 35 min
